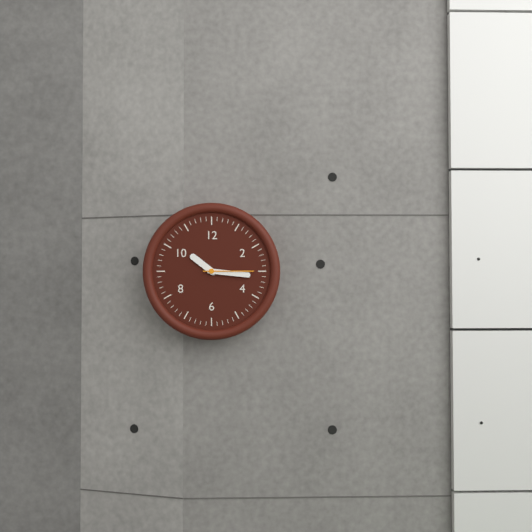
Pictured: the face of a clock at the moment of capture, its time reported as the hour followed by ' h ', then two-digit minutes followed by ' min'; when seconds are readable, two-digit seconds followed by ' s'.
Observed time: 10 h 16 min 15 s
